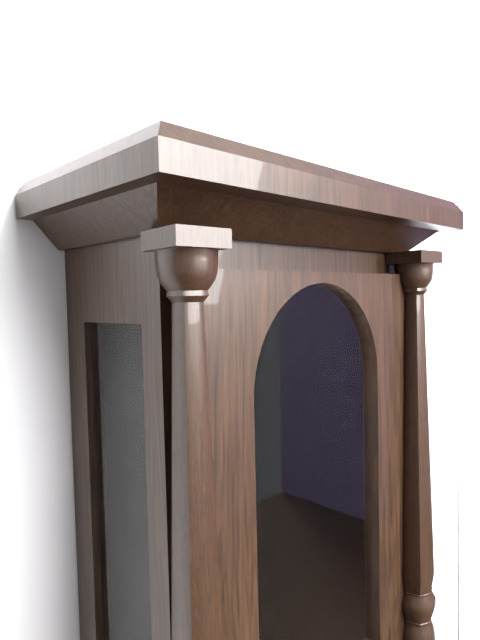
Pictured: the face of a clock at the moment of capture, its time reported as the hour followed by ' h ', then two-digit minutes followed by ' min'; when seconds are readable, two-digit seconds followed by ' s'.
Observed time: 4 h 10 min
